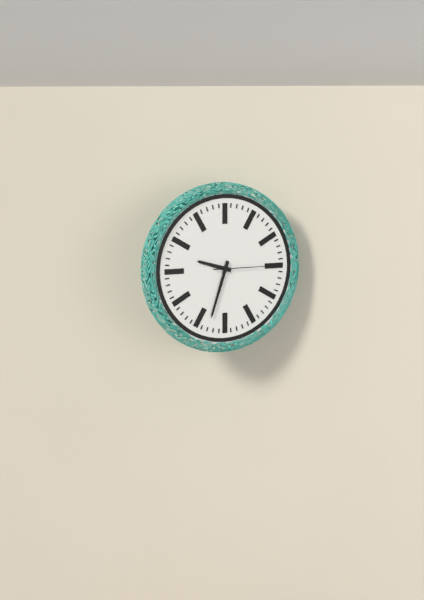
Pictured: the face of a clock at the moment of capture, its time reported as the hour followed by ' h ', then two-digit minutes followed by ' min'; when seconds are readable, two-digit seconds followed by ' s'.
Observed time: 9 h 33 min 15 s
